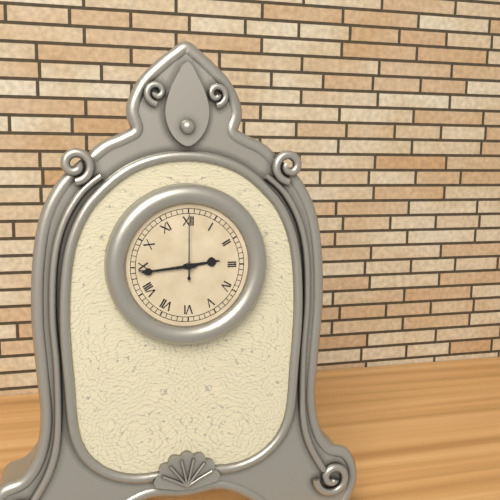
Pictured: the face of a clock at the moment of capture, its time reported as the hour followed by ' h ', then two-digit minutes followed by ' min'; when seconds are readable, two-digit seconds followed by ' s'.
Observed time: 2 h 44 min 00 s
